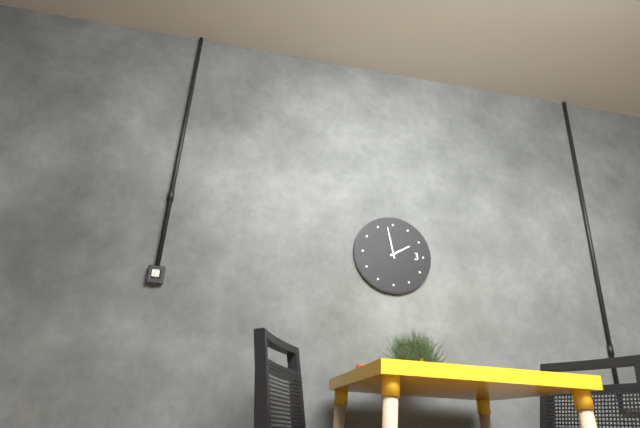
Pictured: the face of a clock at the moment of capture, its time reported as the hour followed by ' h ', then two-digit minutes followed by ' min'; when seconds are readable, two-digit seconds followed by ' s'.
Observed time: 1 h 58 min
